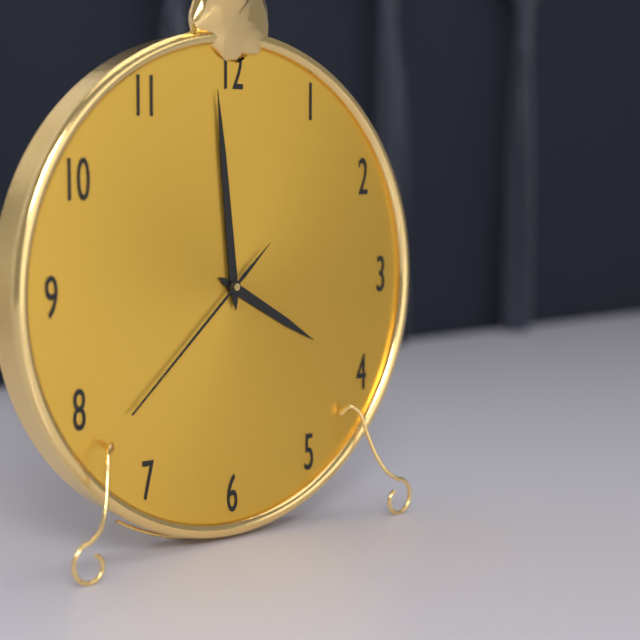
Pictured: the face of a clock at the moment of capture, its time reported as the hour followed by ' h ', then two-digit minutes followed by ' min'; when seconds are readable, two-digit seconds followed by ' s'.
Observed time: 3 h 59 min 38 s
